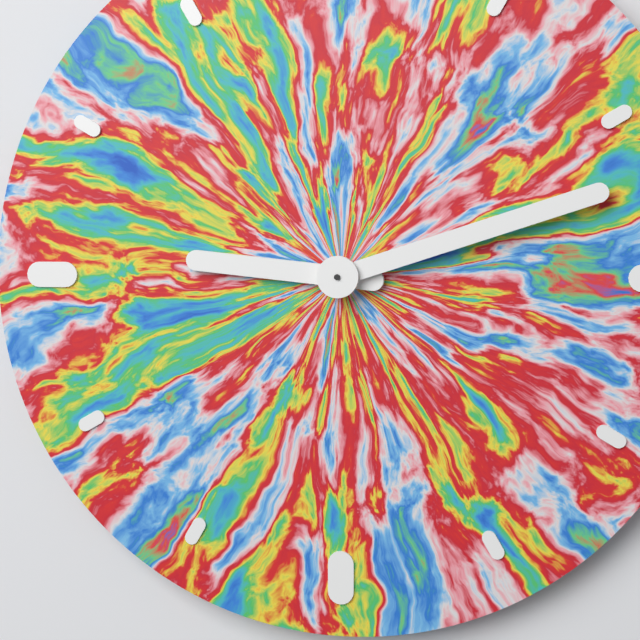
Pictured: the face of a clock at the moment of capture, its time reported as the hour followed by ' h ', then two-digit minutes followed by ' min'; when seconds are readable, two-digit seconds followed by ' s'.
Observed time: 9 h 12 min
